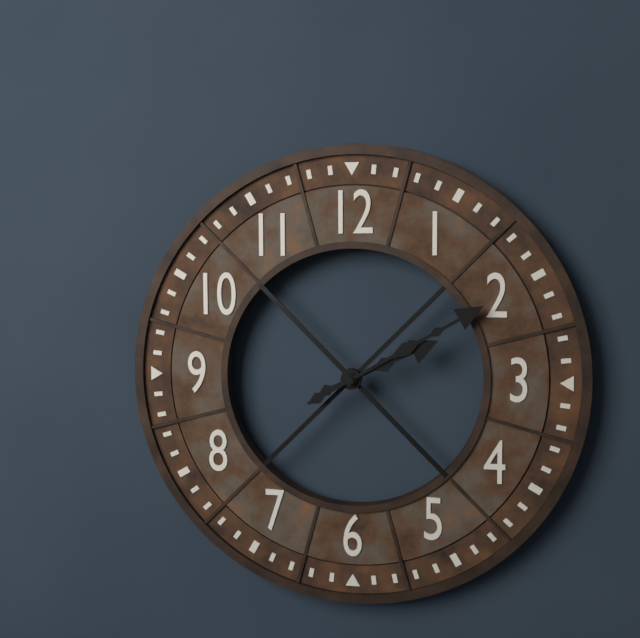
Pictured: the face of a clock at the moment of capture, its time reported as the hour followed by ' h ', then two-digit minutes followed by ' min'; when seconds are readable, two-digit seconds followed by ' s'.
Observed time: 2 h 10 min
